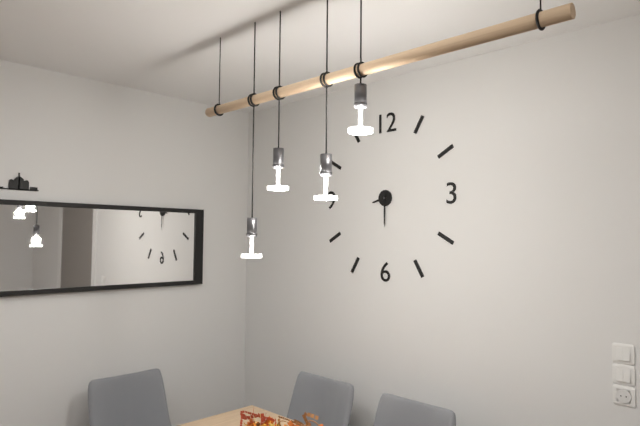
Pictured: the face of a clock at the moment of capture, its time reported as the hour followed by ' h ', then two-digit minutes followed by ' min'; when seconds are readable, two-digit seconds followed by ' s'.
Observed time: 8 h 30 min
